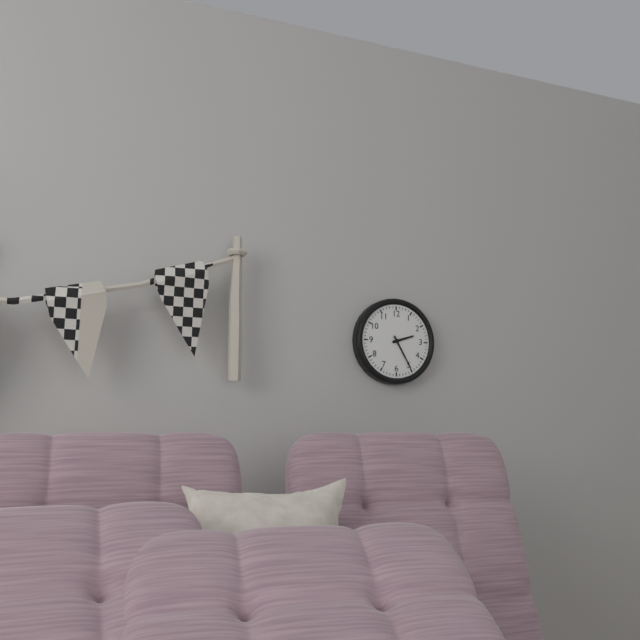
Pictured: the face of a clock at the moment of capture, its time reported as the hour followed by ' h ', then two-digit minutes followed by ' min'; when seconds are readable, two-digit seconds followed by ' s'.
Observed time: 2 h 25 min
